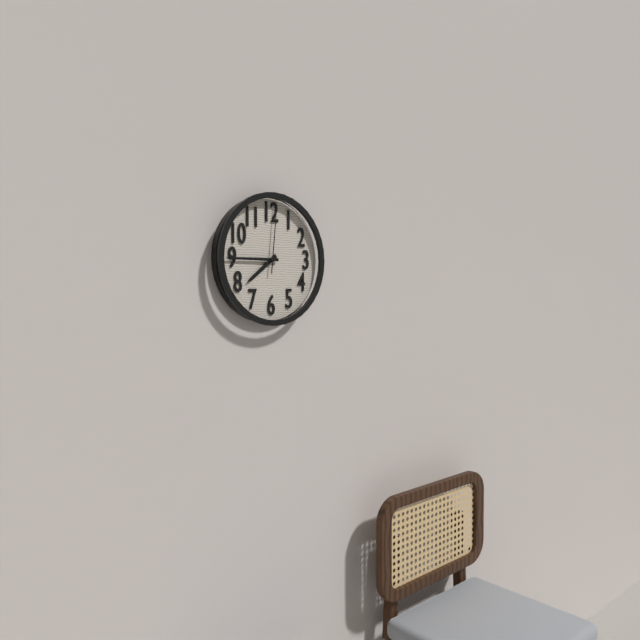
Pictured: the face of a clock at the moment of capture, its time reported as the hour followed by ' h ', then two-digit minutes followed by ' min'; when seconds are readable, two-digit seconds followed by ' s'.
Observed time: 7 h 45 min 01 s
